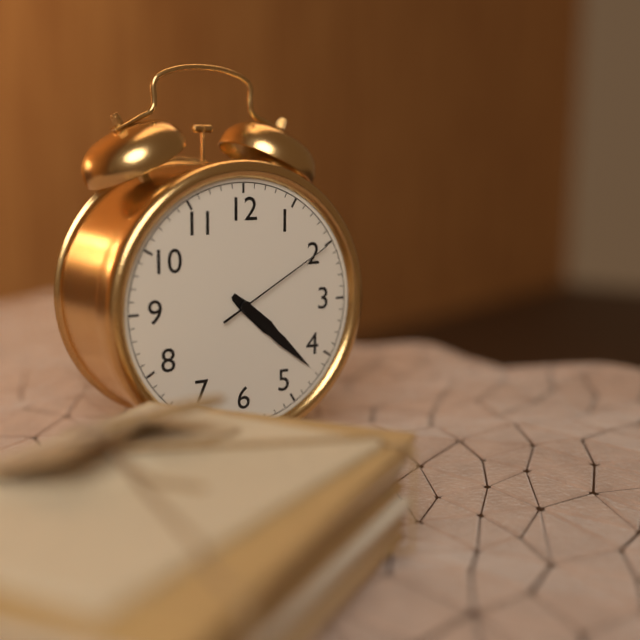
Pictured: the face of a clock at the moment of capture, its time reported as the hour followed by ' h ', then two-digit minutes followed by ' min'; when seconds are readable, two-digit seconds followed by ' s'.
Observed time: 4 h 22 min 10 s
